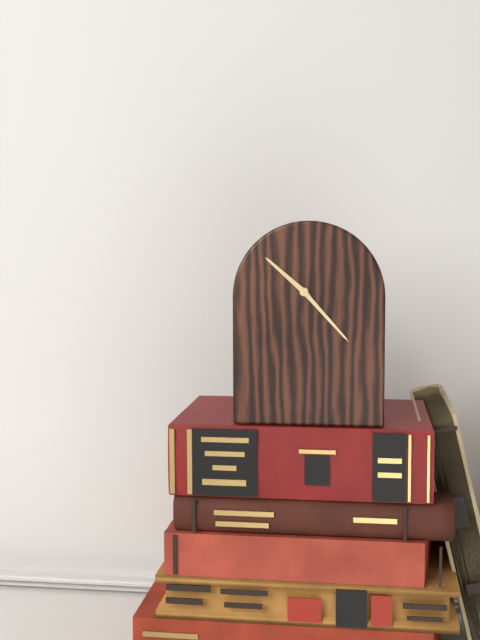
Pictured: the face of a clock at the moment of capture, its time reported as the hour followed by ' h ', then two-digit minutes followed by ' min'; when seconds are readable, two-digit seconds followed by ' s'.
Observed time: 10 h 23 min
